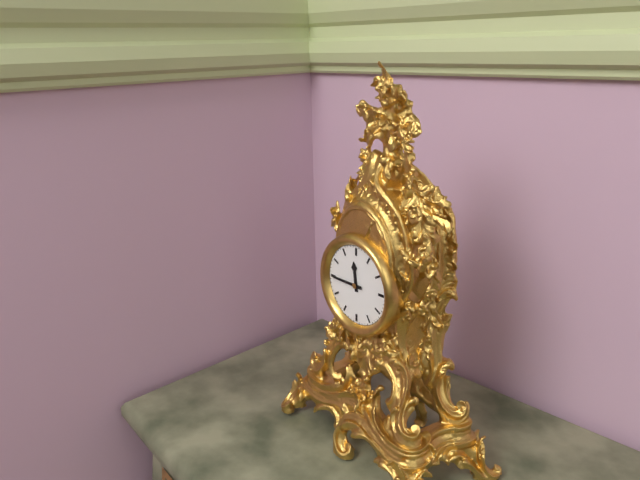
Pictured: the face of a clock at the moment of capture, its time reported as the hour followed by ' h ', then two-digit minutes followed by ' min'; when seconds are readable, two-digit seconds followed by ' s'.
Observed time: 11 h 45 min
